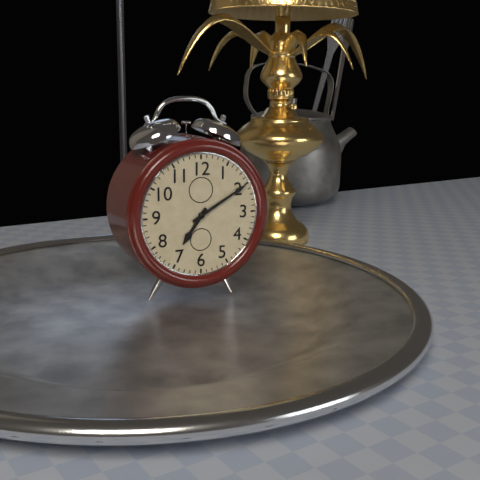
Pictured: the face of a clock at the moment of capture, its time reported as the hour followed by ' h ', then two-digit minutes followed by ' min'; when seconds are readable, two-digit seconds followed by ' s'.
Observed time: 7 h 10 min
